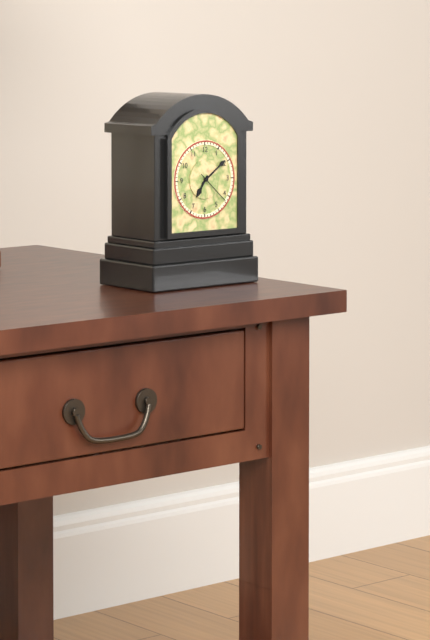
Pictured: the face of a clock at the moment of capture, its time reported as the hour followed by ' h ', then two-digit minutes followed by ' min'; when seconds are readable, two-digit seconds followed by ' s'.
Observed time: 7 h 09 min
